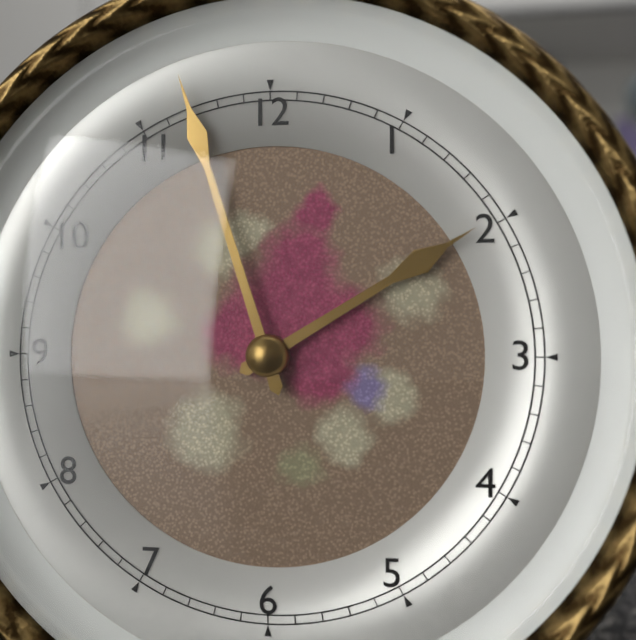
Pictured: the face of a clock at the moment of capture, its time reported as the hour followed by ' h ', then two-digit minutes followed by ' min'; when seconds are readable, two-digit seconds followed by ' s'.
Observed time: 1 h 57 min
